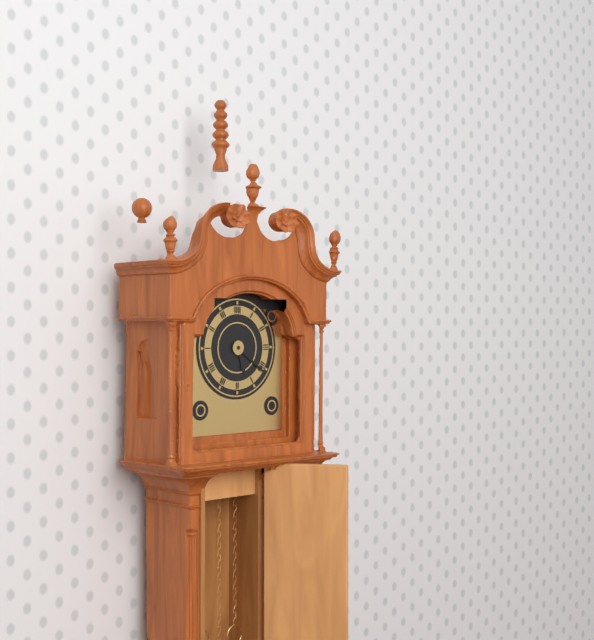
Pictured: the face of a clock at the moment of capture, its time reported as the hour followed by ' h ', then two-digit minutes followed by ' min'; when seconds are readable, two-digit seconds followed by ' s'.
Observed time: 5 h 21 min
